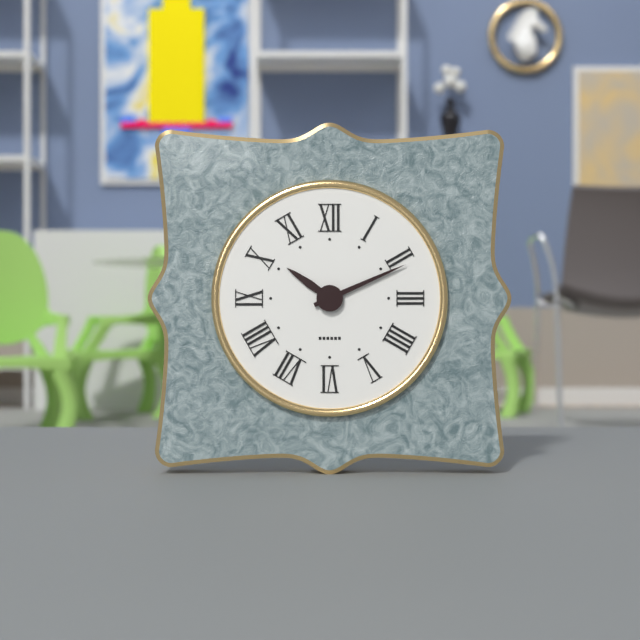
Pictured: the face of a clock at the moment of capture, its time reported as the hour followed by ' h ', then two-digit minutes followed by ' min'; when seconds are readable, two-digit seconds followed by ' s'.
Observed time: 10 h 11 min
